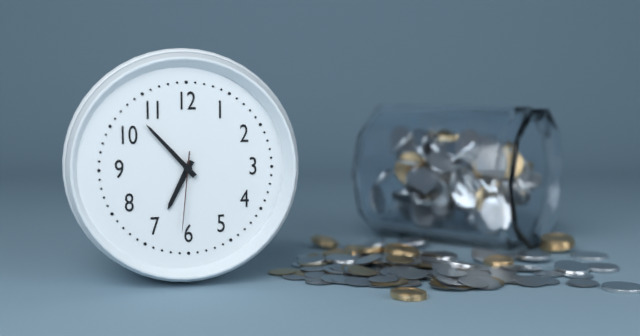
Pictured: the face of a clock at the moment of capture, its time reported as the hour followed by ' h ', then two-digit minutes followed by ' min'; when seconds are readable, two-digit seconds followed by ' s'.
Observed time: 6 h 53 min 31 s
